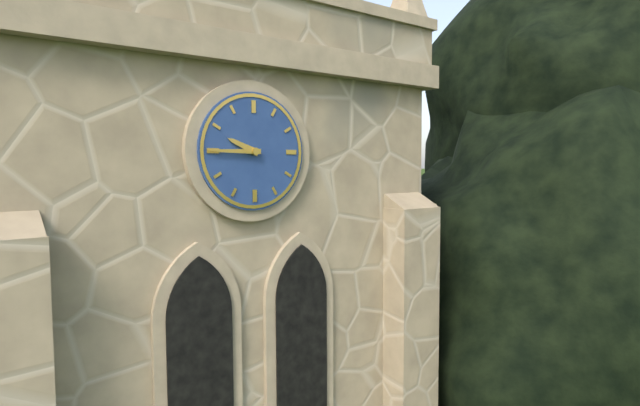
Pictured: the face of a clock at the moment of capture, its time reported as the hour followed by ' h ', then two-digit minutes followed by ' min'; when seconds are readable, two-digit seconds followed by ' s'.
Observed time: 9 h 45 min
